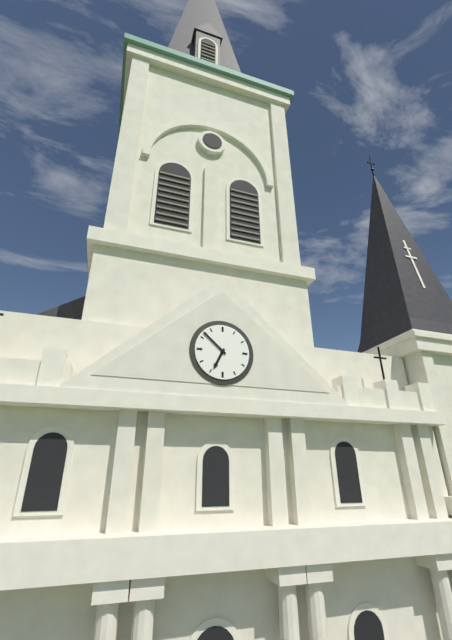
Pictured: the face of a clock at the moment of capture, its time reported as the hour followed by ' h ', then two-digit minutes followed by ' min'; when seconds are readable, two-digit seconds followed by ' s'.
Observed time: 6 h 52 min
